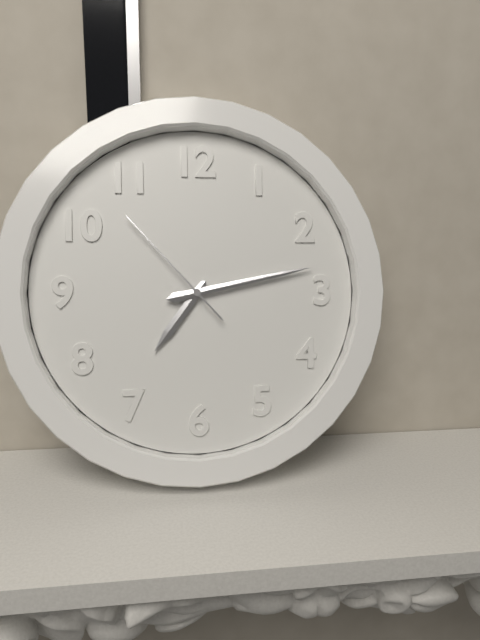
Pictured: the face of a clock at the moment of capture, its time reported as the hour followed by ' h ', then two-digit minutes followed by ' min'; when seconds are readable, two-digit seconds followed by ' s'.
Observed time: 7 h 13 min 53 s
